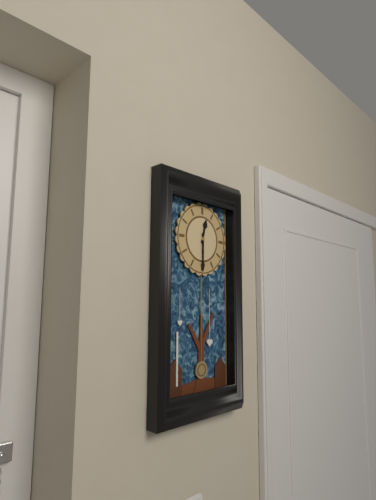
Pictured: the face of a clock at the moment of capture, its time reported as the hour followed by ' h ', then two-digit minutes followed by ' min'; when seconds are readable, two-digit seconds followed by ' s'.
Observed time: 12 h 30 min
